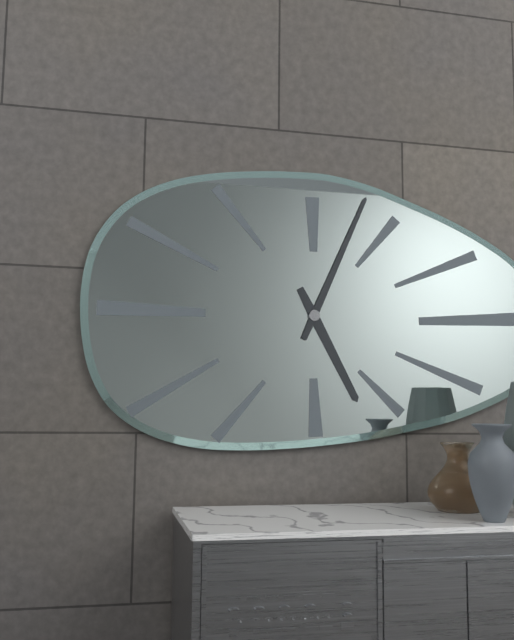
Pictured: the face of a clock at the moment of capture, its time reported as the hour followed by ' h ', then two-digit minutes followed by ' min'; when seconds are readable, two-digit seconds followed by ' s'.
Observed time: 5 h 04 min
